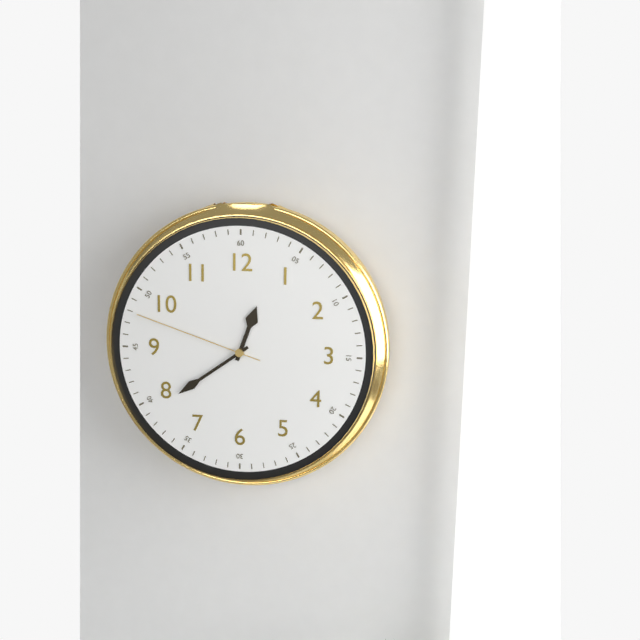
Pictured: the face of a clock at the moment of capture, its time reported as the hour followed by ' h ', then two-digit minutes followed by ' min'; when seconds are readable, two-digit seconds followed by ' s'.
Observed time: 12 h 39 min 48 s
